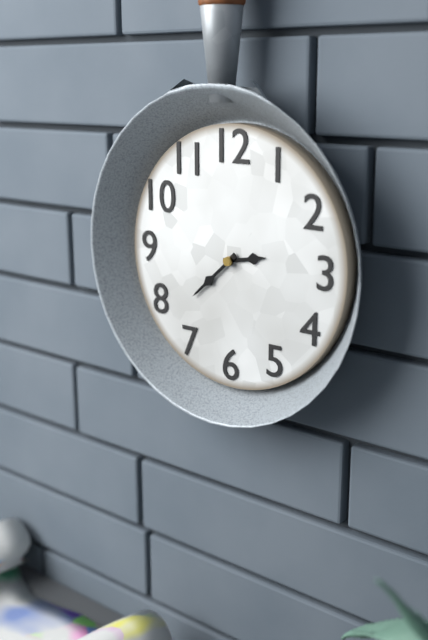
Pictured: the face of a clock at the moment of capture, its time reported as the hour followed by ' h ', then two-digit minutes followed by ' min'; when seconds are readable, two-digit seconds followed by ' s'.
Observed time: 2 h 38 min
